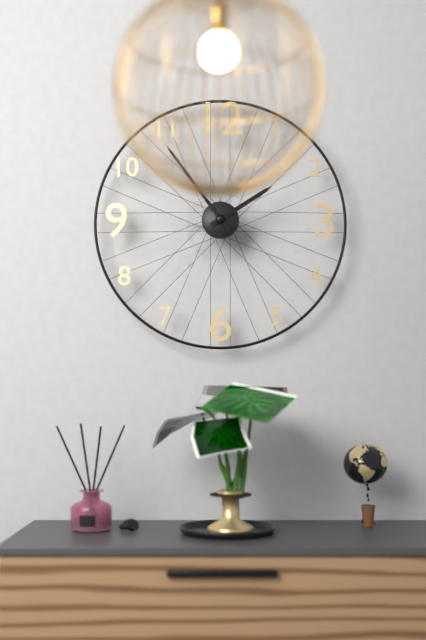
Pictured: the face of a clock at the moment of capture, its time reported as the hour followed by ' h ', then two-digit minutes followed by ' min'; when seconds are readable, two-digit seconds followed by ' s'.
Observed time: 1 h 54 min
